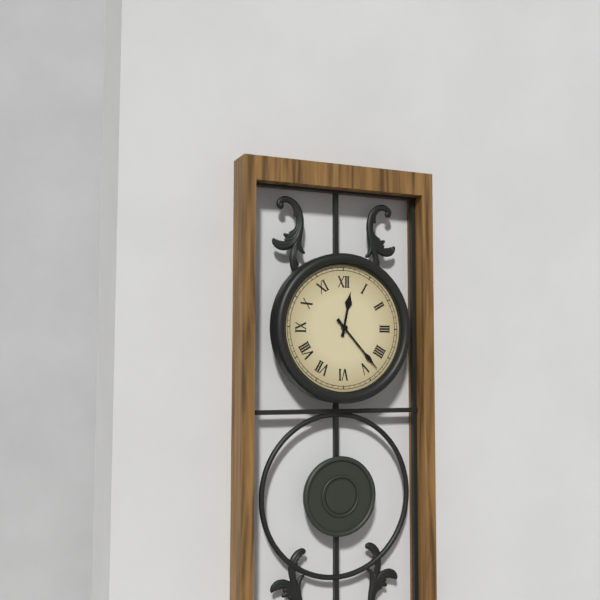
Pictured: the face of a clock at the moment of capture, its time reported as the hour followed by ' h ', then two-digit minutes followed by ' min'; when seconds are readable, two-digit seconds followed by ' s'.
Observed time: 12 h 23 min
